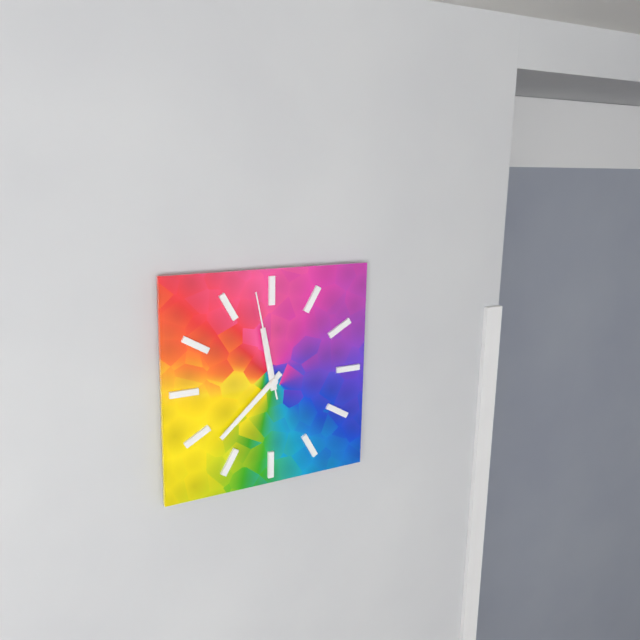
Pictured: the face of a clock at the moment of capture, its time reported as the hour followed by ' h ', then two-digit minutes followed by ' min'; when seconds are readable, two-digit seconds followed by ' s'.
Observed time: 11 h 38 min 58 s
